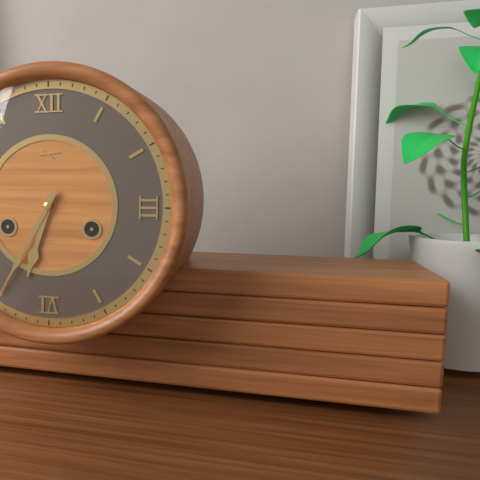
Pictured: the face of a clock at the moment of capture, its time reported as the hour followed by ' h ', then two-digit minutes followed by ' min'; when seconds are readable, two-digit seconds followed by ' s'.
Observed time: 6 h 35 min
